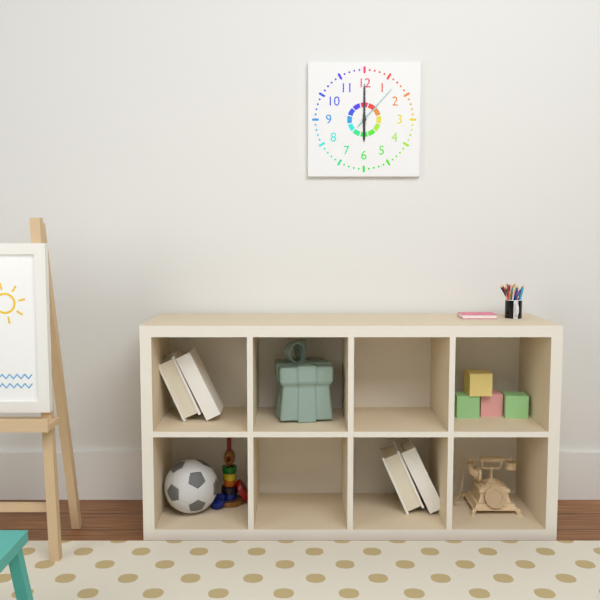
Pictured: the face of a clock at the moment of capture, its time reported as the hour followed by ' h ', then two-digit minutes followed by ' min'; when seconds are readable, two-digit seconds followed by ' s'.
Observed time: 6 h 00 min 07 s
